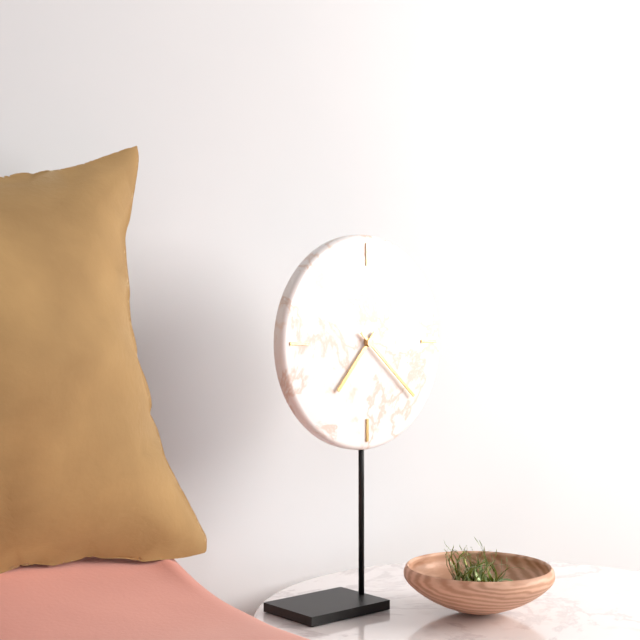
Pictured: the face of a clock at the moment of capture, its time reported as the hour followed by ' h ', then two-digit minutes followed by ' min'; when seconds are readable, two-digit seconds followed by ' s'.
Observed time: 7 h 22 min
